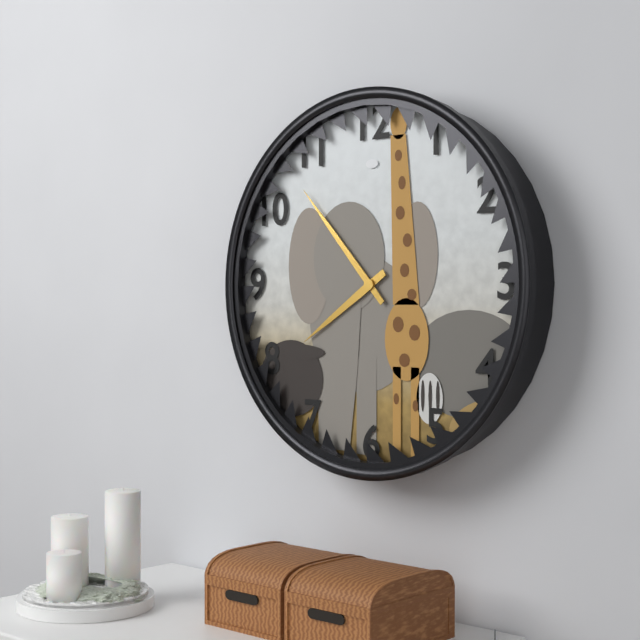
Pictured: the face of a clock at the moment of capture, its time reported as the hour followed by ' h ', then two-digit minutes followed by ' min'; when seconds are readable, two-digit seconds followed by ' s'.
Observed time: 7 h 53 min
